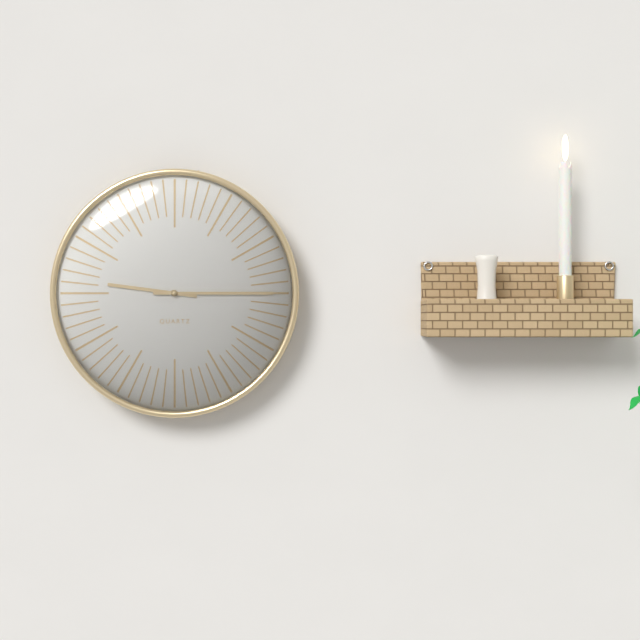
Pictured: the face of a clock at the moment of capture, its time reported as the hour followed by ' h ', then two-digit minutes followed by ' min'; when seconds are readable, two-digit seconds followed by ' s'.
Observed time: 9 h 15 min
